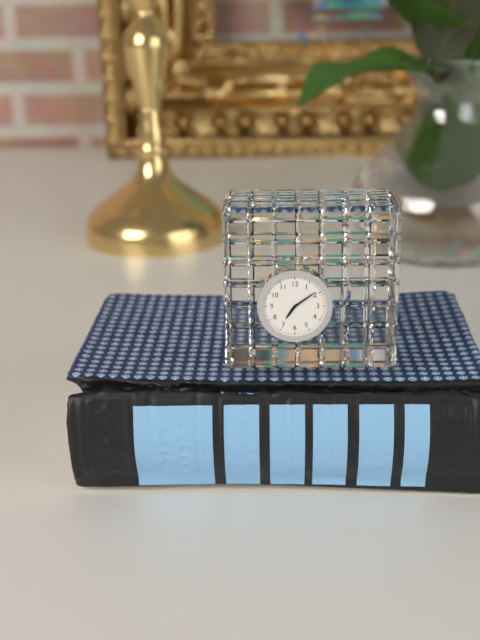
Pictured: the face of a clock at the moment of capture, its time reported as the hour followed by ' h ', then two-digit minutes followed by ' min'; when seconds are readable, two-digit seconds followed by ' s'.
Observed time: 7 h 09 min
